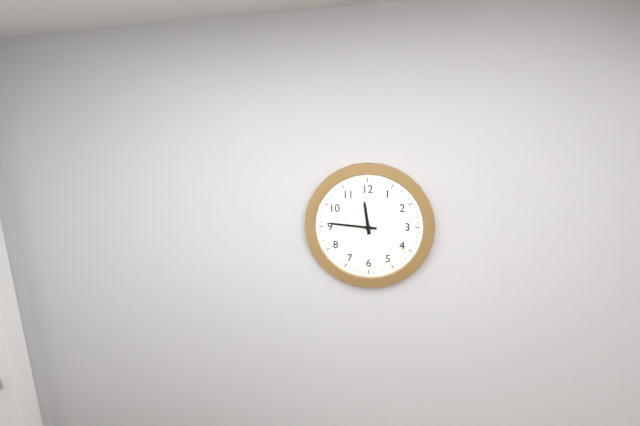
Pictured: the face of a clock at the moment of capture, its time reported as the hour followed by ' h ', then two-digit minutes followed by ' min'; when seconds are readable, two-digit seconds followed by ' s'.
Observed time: 11 h 46 min
